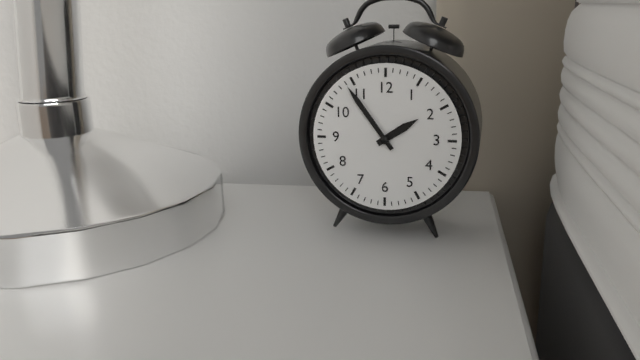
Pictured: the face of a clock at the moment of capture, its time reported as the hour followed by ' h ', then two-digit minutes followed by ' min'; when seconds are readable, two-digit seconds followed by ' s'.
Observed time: 1 h 54 min
